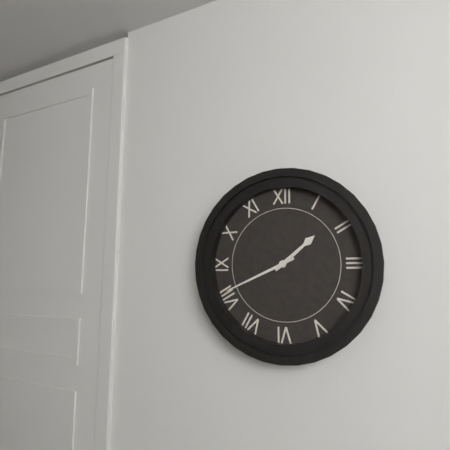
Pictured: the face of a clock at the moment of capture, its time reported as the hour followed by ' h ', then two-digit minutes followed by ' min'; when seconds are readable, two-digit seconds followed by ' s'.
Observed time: 1 h 41 min
